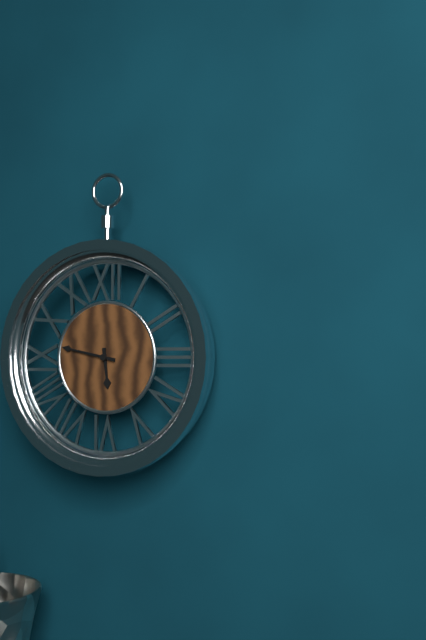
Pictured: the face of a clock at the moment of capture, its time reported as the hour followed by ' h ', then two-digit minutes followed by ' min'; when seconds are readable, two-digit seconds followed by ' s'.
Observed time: 5 h 47 min
